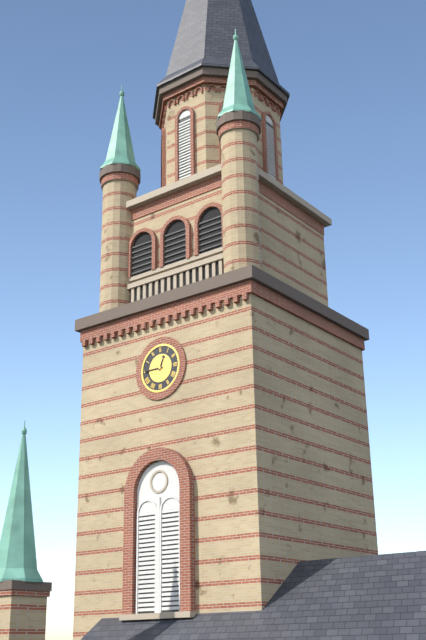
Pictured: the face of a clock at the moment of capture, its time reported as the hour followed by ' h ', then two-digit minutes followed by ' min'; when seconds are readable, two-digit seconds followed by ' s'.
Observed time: 12 h 45 min
